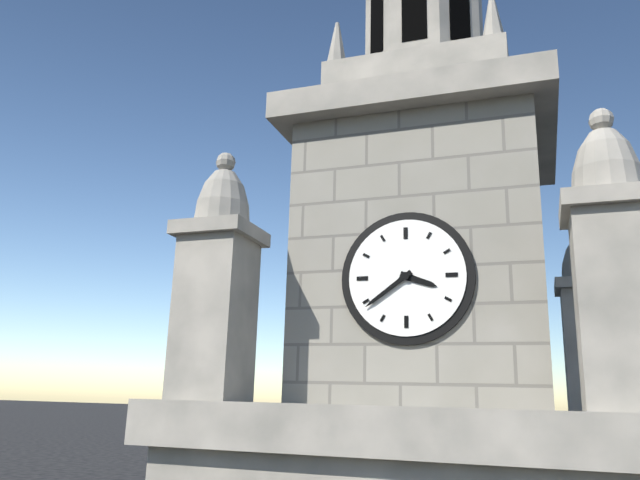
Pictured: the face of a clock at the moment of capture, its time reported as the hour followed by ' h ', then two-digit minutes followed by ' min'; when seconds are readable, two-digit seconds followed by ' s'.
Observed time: 3 h 39 min
